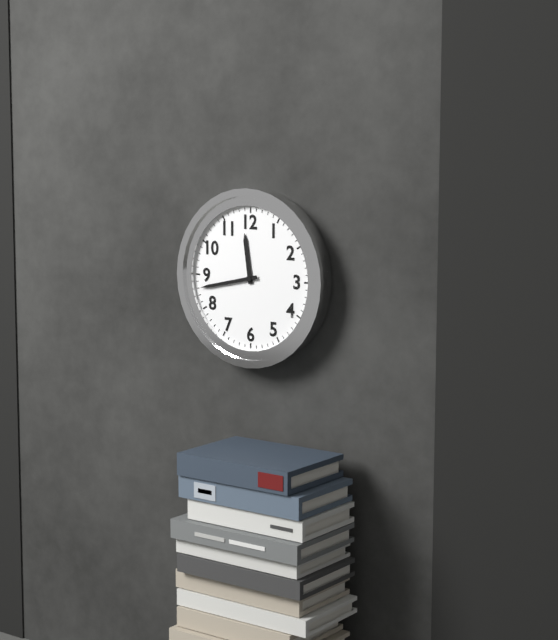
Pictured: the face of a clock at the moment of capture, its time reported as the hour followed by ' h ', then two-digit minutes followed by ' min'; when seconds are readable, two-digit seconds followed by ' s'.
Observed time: 11 h 43 min
